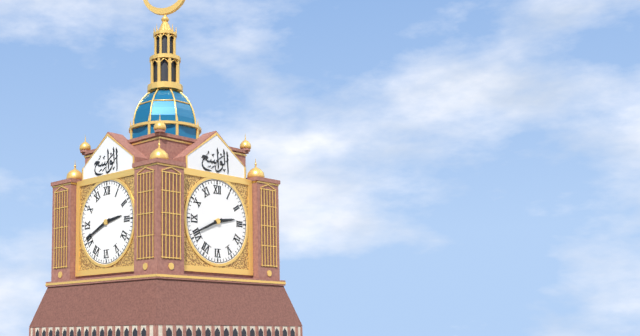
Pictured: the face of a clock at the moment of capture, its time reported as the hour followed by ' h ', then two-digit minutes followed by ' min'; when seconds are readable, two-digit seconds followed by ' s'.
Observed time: 2 h 41 min
